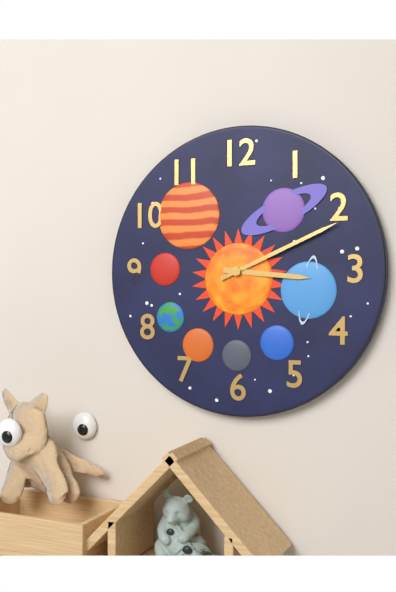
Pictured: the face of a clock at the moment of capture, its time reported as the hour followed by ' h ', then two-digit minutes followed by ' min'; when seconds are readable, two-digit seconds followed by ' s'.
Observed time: 3 h 11 min
